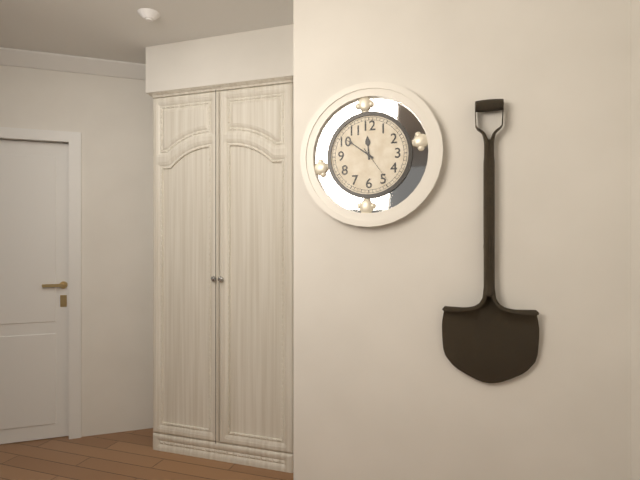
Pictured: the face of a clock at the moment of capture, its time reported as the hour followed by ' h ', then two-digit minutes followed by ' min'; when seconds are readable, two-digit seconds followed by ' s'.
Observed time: 11 h 51 min
